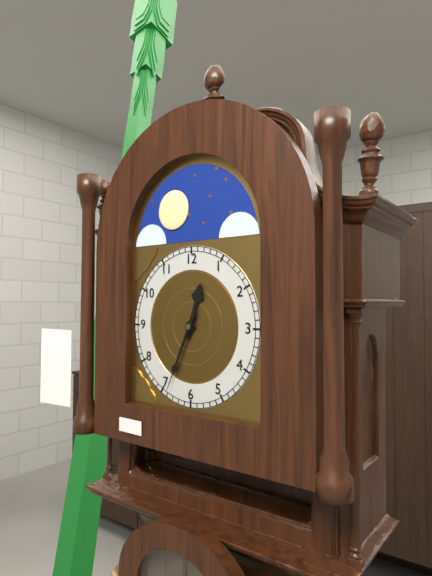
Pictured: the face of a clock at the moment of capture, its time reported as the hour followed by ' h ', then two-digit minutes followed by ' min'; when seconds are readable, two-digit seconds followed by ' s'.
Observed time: 12 h 34 min
